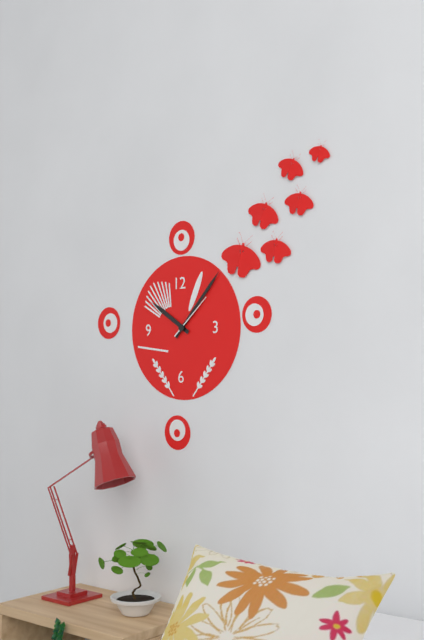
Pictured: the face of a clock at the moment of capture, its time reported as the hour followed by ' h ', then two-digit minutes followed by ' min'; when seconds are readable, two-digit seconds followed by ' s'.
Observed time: 10 h 07 min
